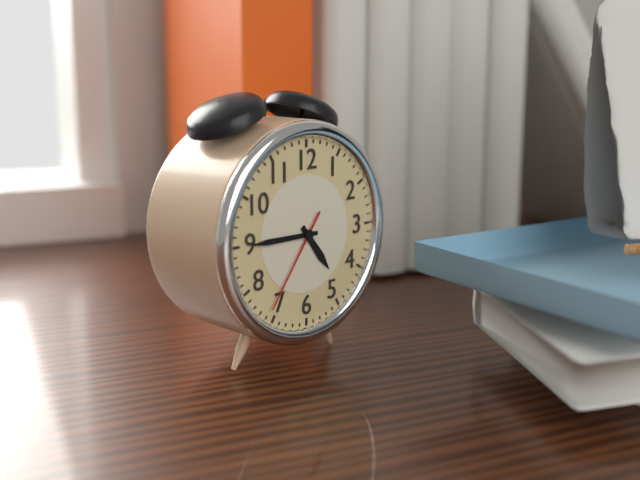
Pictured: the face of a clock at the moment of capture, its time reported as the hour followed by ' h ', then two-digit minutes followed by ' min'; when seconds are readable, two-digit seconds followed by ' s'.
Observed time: 4 h 45 min 36 s
